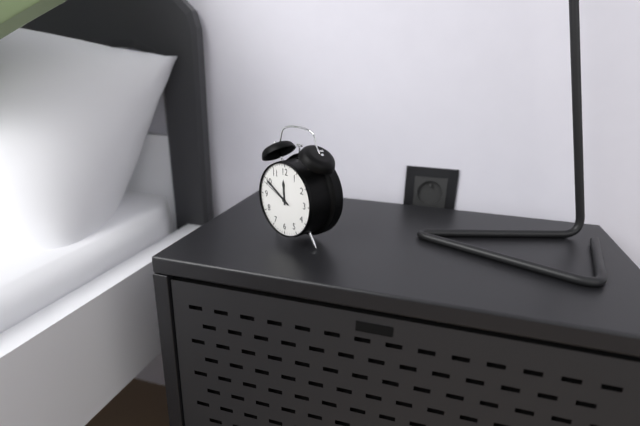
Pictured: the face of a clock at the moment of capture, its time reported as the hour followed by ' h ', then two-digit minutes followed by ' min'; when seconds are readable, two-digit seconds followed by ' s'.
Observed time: 11 h 50 min
